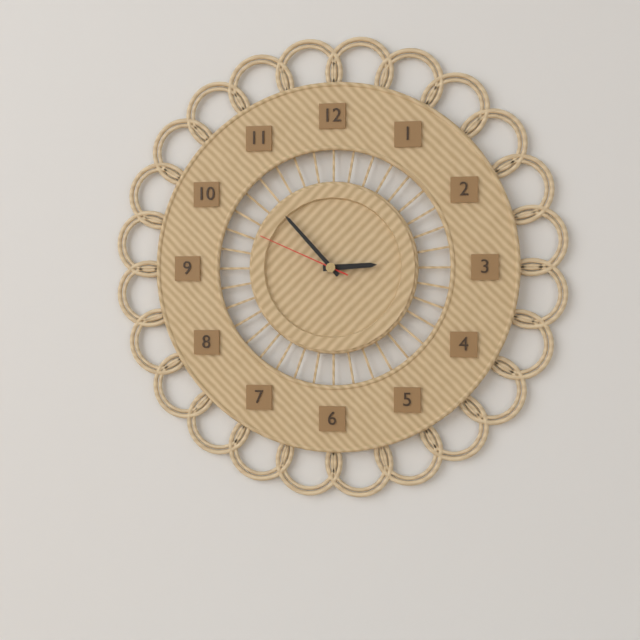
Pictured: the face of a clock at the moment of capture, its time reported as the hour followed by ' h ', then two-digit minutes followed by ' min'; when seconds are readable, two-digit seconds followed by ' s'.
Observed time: 2 h 53 min 49 s
